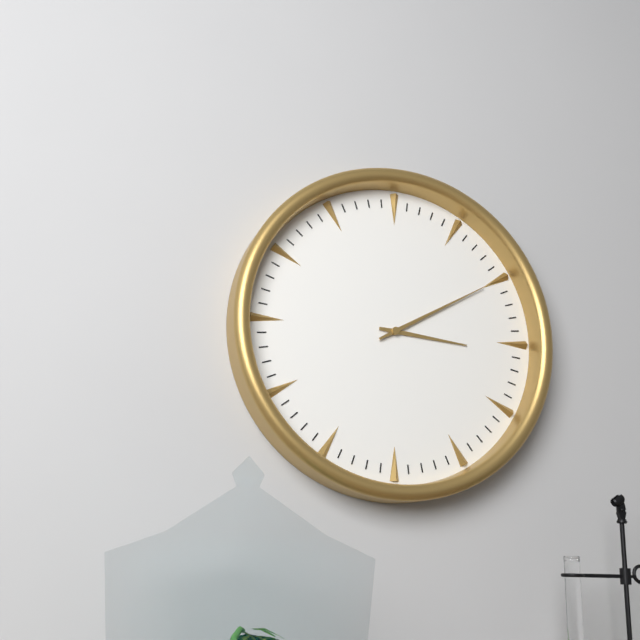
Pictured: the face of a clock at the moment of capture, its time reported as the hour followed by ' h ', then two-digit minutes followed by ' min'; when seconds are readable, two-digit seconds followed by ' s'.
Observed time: 3 h 10 min
